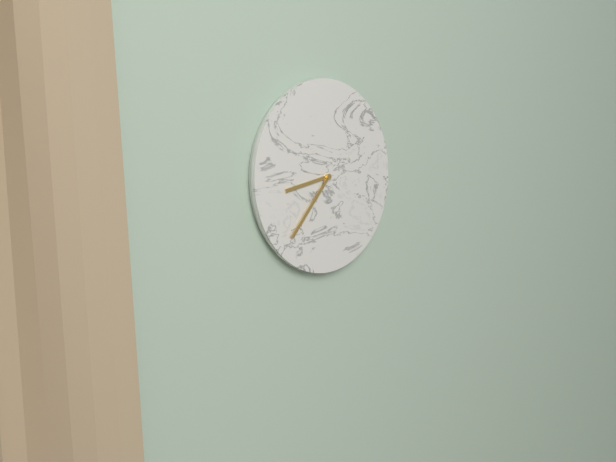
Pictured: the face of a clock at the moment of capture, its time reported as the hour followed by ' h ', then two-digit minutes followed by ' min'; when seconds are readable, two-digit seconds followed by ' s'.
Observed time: 8 h 37 min
